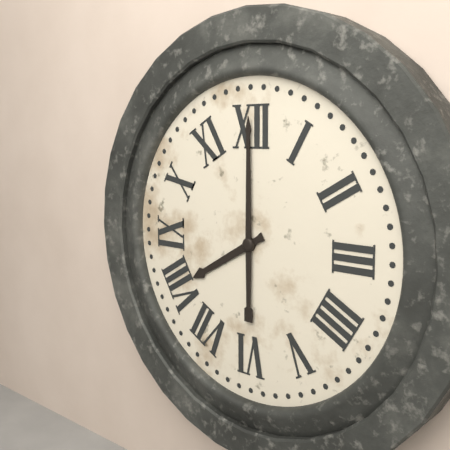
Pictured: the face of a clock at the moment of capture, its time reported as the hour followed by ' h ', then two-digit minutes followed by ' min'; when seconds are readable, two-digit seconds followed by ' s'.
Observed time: 8 h 00 min
